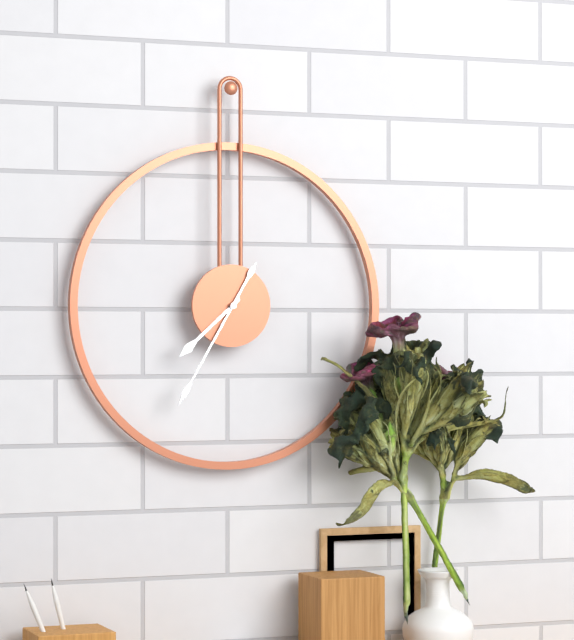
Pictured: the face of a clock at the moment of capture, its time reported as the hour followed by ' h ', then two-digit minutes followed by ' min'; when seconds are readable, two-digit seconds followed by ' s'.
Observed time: 7 h 35 min
